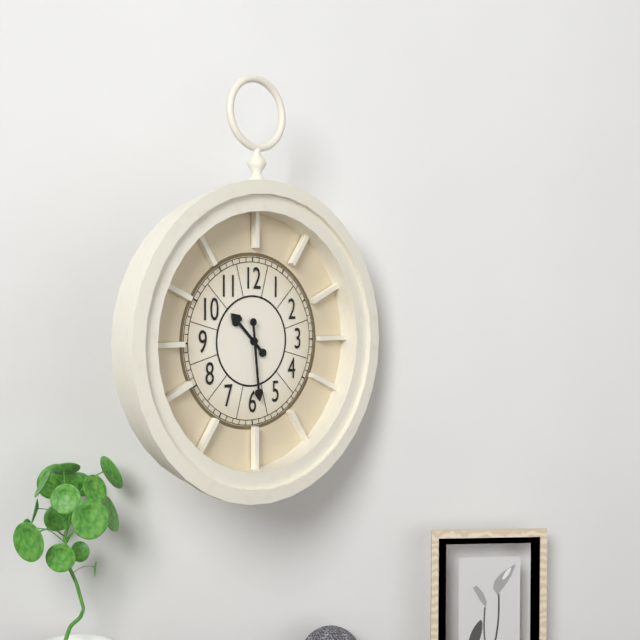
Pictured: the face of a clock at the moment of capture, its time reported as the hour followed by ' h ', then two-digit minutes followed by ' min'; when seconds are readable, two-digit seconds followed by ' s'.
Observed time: 10 h 29 min
